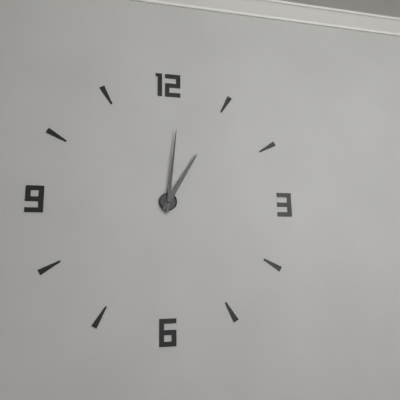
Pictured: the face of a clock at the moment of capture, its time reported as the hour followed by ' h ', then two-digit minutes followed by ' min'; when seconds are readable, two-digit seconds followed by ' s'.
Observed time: 1 h 01 min
